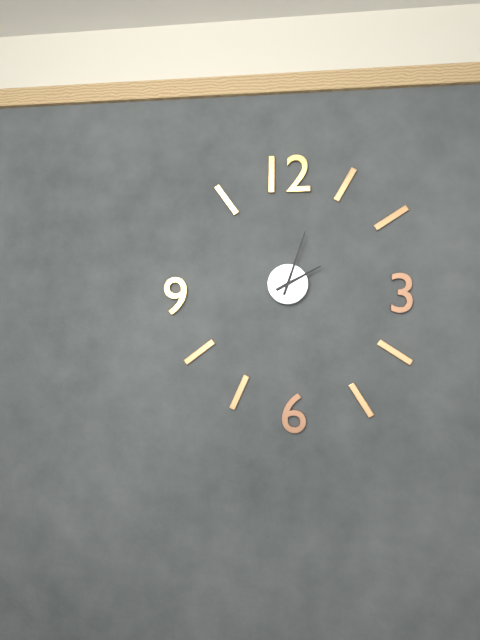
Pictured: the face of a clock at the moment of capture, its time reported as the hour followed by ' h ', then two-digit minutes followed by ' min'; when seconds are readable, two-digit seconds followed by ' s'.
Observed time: 2 h 03 min
